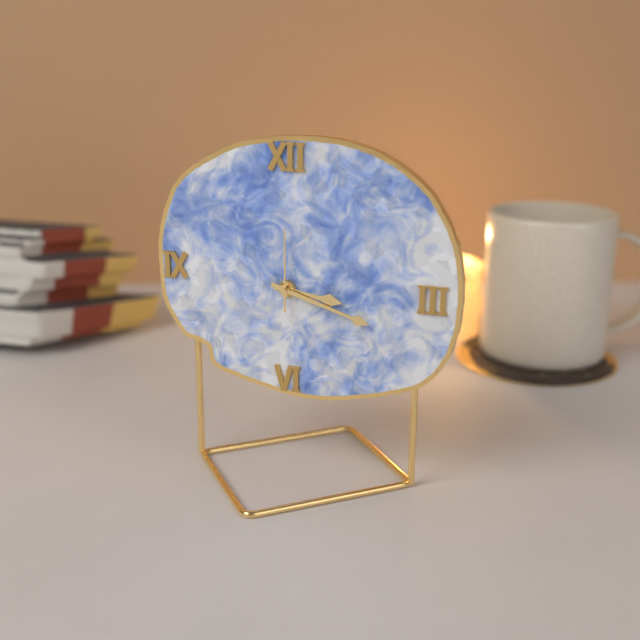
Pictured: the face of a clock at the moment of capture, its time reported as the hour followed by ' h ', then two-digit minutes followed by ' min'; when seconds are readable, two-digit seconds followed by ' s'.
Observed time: 3 h 18 min 00 s
